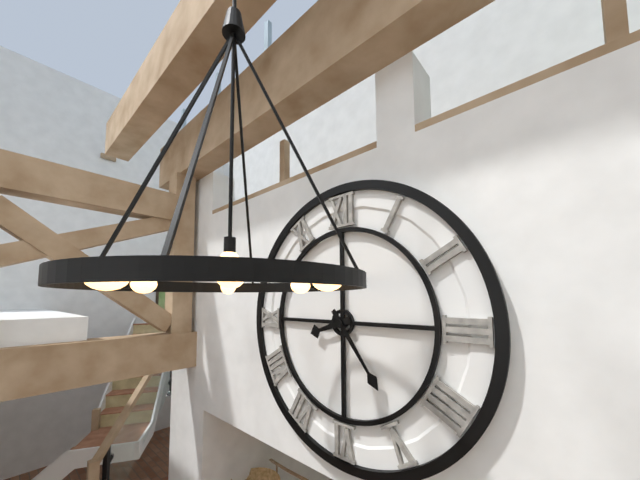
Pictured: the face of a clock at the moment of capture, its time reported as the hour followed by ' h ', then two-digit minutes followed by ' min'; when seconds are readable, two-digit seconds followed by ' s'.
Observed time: 8 h 24 min
